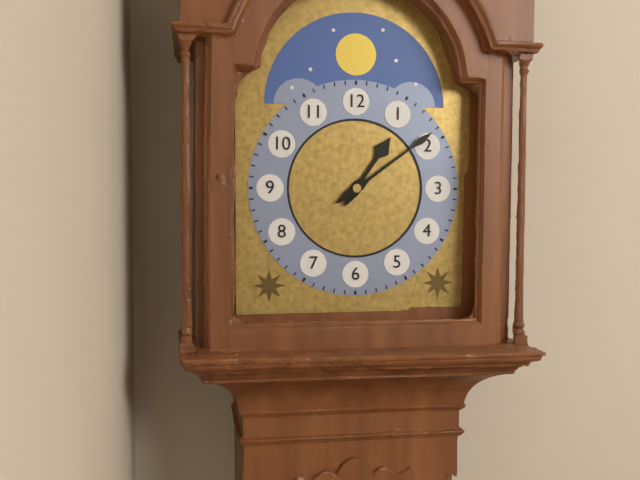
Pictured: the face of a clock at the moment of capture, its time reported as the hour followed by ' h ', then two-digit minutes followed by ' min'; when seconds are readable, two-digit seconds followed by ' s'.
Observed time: 1 h 09 min
